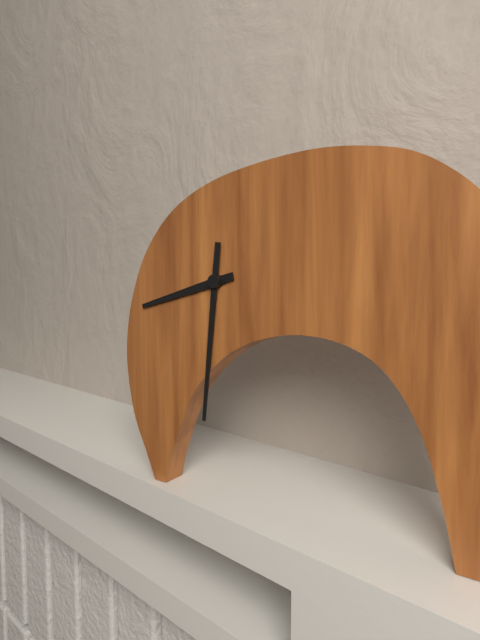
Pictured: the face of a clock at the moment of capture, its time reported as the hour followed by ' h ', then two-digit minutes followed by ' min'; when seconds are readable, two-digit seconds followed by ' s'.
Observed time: 8 h 31 min
